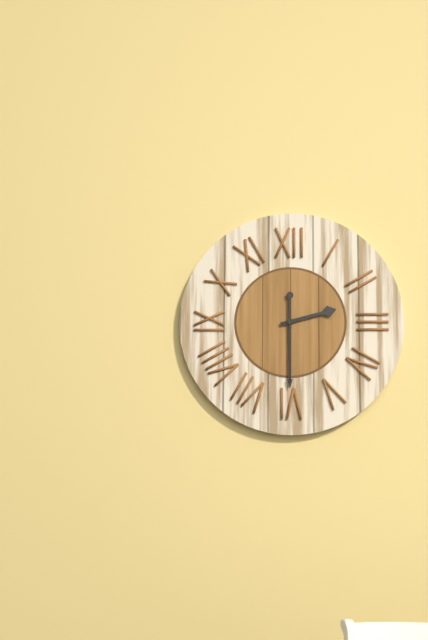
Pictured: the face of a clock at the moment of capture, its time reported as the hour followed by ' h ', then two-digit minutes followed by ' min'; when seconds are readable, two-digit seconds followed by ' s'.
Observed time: 2 h 30 min
